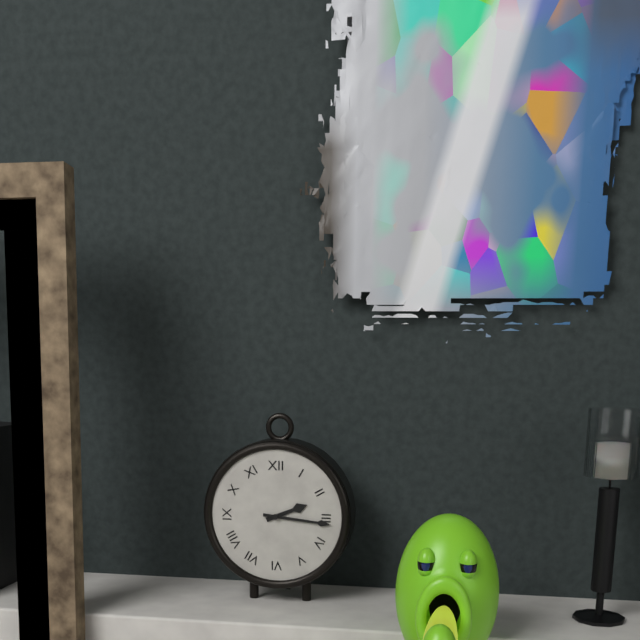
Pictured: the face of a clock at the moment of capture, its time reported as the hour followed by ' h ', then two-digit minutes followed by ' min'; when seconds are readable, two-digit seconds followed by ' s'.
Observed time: 2 h 16 min
